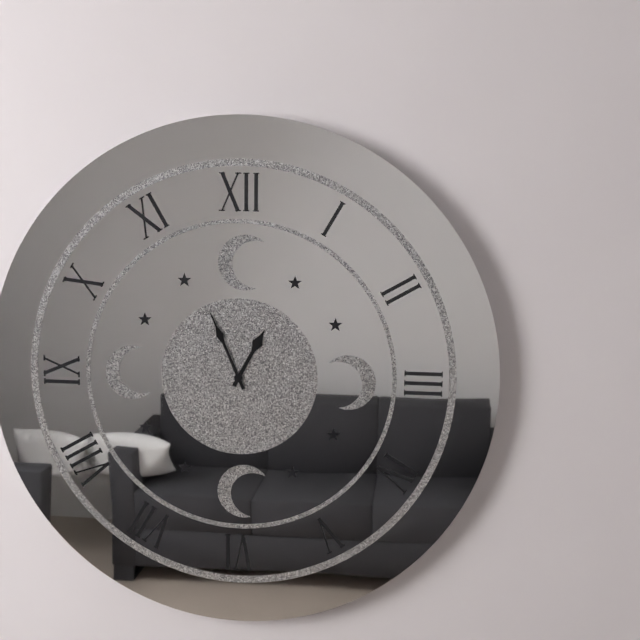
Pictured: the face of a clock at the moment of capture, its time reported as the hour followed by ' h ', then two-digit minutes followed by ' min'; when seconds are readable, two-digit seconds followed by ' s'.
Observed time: 12 h 56 min
